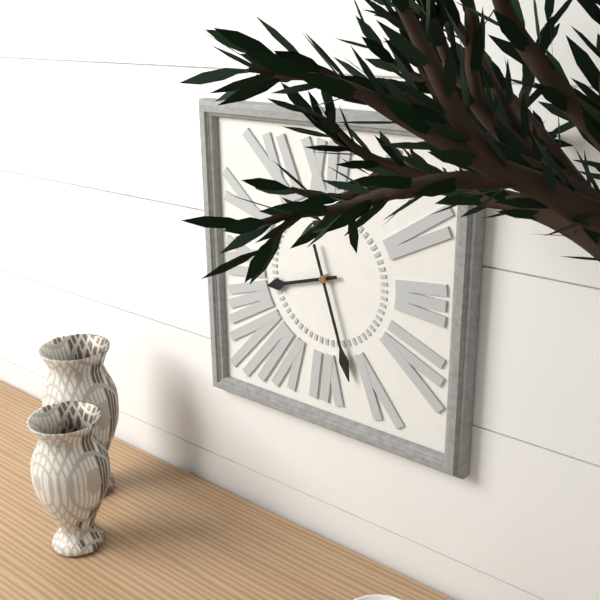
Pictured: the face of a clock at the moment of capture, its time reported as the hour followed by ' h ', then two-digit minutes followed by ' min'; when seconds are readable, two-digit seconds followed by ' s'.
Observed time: 8 h 27 min
